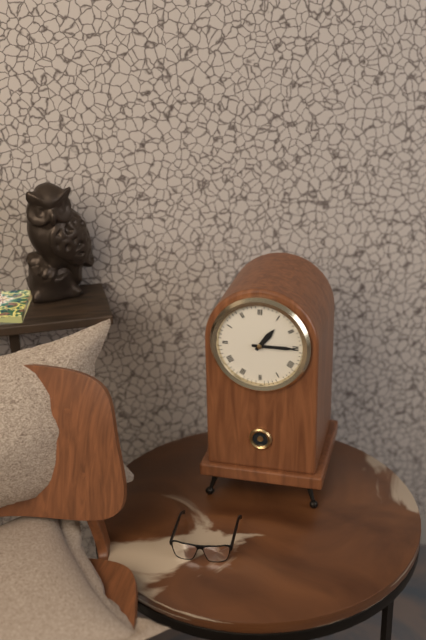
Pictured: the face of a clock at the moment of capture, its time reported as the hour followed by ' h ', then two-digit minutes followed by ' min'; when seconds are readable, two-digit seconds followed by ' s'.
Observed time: 1 h 15 min
